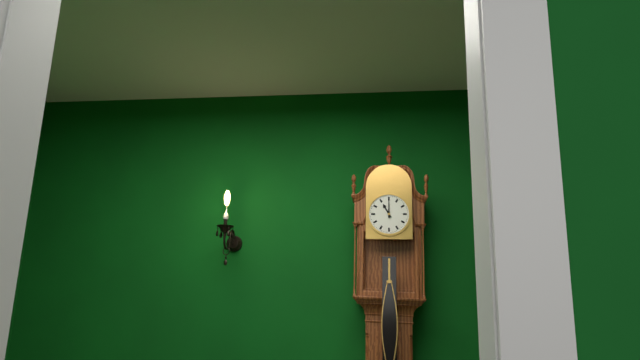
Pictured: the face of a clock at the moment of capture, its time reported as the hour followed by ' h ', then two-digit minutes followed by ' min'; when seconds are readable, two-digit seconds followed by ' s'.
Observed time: 11 h 00 min
